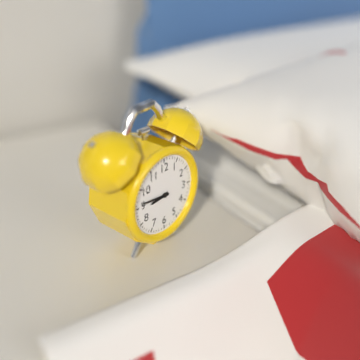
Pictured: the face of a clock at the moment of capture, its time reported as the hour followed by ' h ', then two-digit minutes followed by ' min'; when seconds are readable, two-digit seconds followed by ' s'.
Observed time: 8 h 46 min
